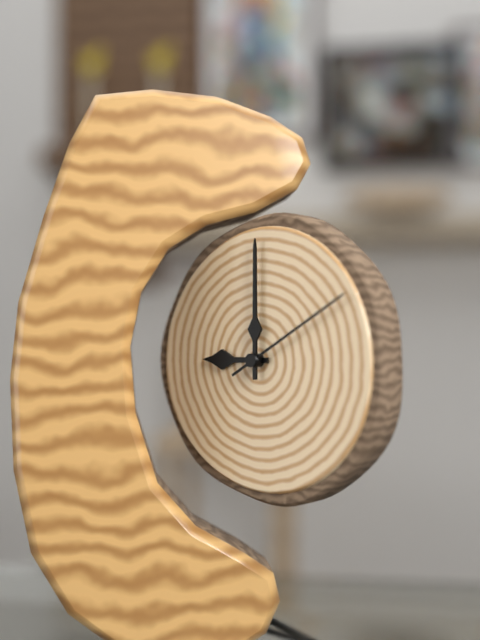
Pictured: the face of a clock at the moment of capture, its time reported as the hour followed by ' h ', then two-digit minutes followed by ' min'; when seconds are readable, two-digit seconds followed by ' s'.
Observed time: 9 h 00 min 10 s
